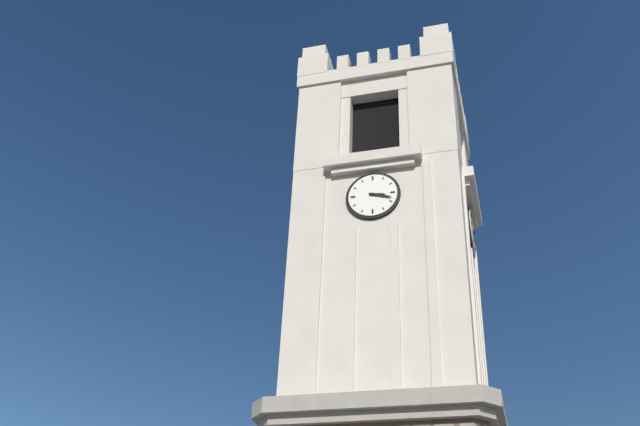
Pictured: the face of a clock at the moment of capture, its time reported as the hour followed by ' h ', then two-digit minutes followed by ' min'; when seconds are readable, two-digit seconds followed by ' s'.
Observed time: 3 h 18 min
